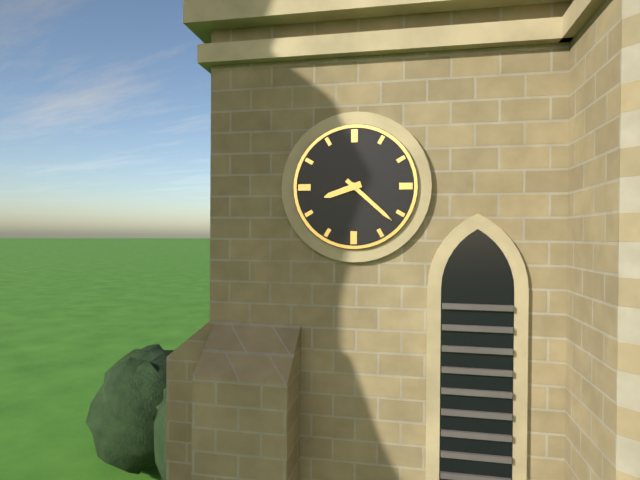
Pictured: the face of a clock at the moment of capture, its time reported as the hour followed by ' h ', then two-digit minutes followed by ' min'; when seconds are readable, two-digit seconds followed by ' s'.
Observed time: 8 h 22 min
